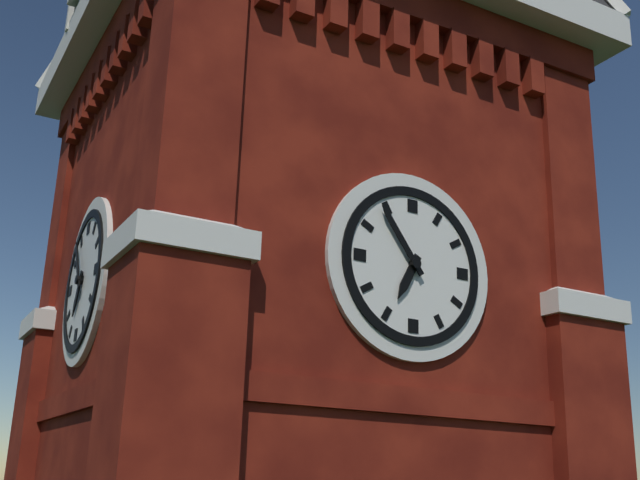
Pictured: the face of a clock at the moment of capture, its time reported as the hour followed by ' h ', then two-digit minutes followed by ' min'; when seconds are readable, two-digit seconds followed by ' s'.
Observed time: 6 h 54 min
